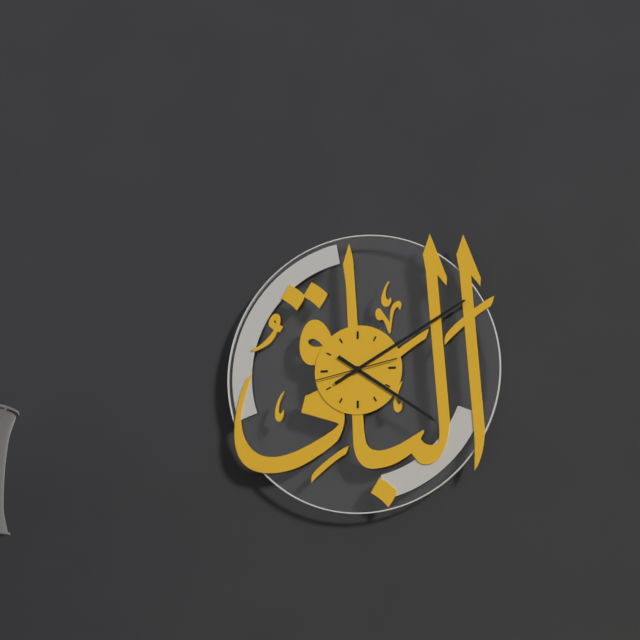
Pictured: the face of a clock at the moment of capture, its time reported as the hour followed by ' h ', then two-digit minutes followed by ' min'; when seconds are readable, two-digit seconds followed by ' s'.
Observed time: 4 h 10 min 43 s
